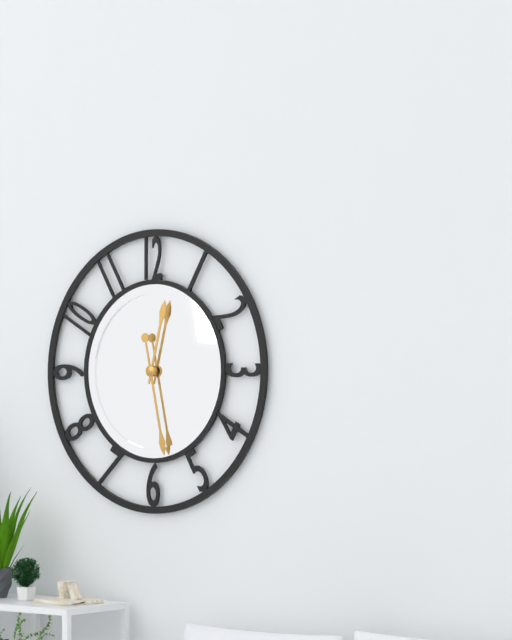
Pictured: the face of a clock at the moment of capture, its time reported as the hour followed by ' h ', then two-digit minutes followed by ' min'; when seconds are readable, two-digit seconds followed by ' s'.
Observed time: 12 h 28 min
